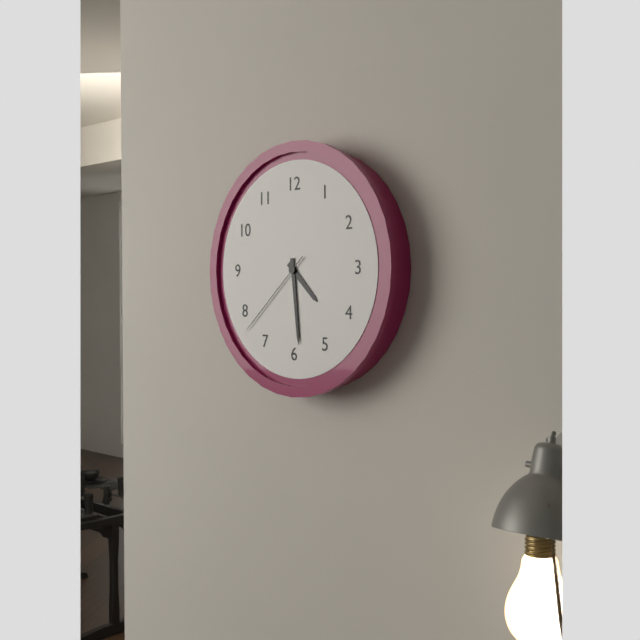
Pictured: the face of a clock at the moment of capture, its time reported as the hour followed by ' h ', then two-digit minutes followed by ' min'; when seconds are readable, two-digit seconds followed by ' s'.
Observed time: 4 h 29 min 38 s
